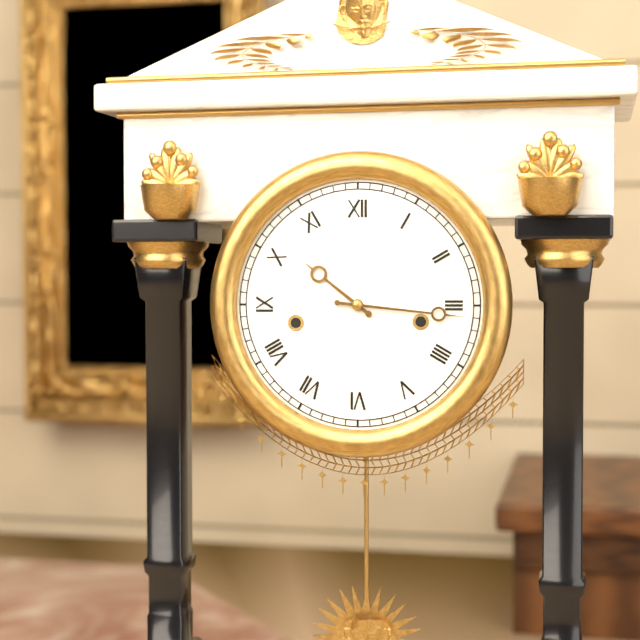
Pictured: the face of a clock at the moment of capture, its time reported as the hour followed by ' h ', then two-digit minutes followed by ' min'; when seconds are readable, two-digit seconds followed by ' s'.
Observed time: 10 h 16 min
